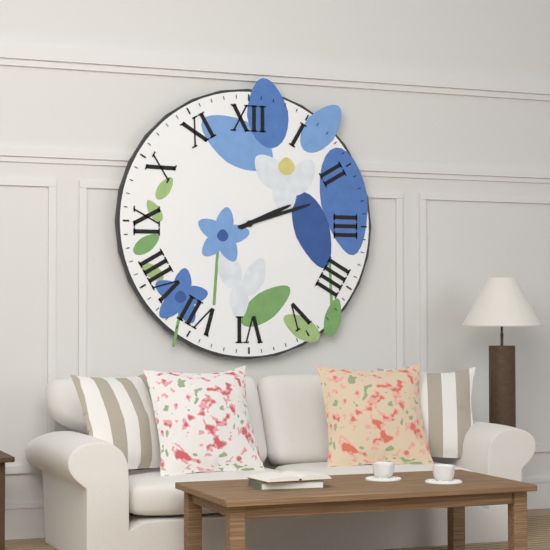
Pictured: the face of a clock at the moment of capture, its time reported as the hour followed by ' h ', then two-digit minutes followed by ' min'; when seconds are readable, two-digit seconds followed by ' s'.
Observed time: 2 h 12 min
